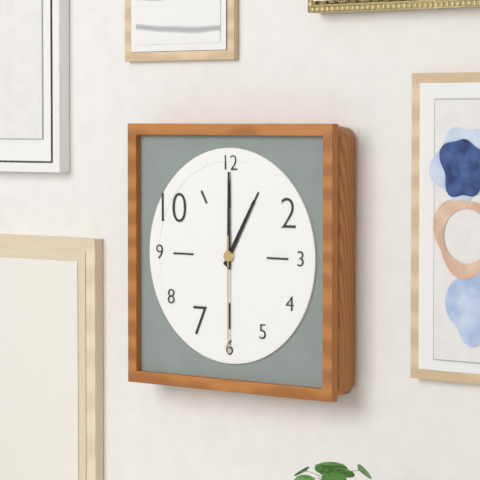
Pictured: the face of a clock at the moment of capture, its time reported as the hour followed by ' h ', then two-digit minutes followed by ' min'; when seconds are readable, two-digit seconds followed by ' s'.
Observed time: 1 h 00 min 30 s
